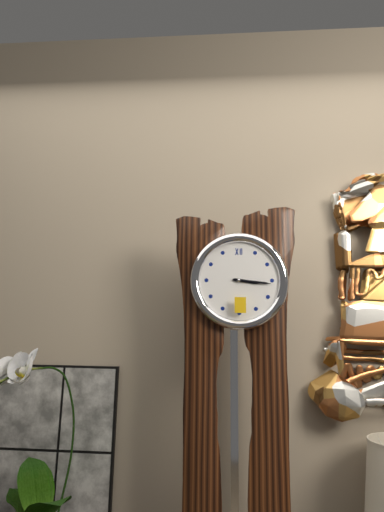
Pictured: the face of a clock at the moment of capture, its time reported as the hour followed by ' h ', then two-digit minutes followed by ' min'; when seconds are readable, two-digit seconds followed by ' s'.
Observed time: 3 h 16 min
